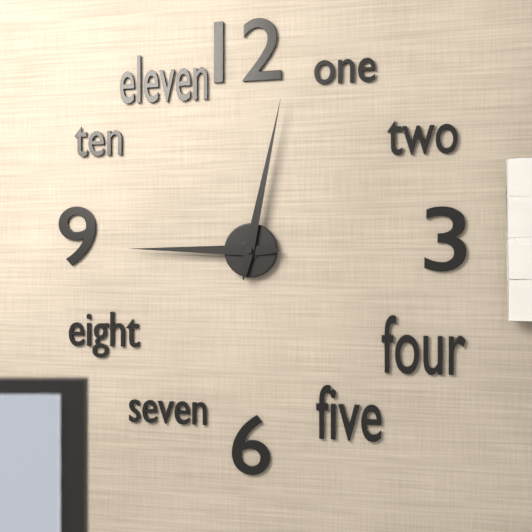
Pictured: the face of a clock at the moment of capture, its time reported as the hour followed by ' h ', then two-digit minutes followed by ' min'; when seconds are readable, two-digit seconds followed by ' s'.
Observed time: 9 h 02 min
